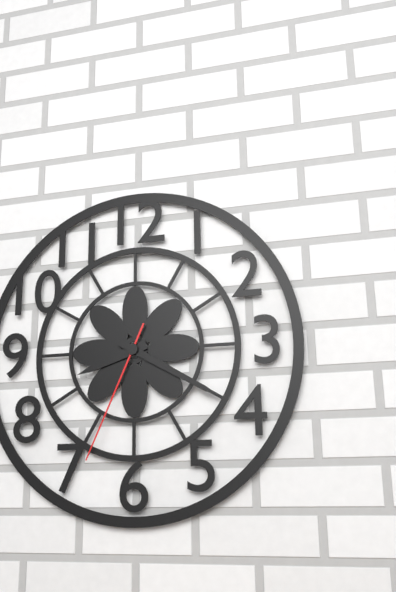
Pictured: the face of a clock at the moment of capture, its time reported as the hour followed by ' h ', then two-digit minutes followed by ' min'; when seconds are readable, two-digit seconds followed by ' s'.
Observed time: 8 h 20 min 34 s
